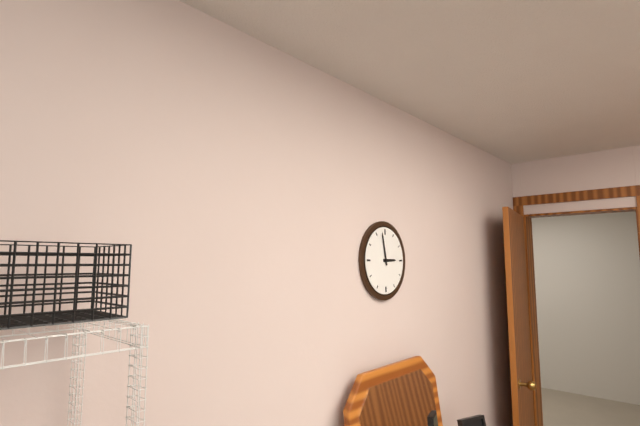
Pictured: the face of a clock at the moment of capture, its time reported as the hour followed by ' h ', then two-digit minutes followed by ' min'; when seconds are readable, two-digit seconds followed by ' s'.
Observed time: 2 h 58 min
